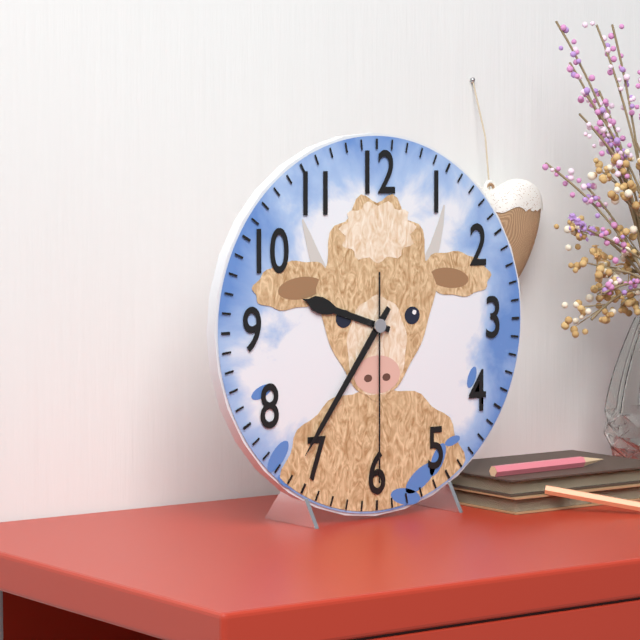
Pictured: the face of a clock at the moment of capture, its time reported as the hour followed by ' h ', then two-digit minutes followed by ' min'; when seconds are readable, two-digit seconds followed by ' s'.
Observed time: 9 h 36 min 30 s
